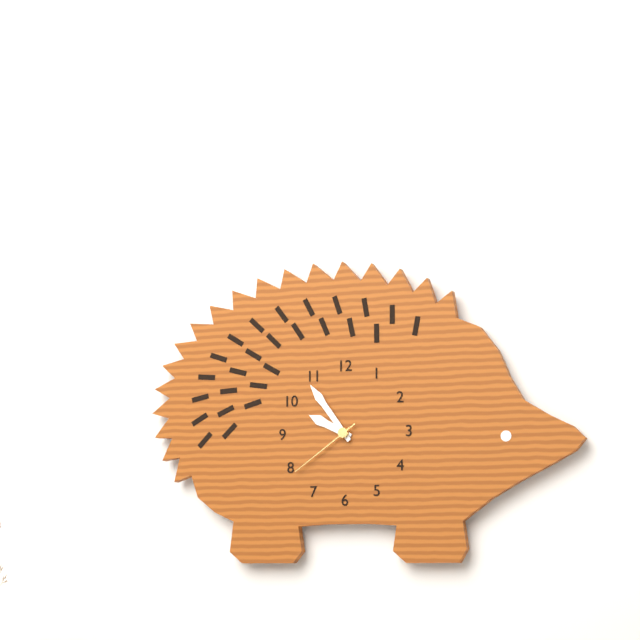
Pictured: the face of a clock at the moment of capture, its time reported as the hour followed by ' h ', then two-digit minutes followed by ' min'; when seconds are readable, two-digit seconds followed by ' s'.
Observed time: 9 h 54 min 39 s
